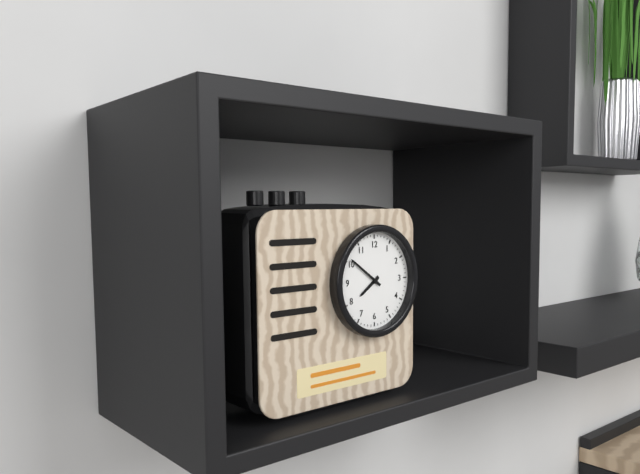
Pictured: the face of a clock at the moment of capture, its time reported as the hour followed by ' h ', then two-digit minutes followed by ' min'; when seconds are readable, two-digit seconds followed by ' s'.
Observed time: 7 h 51 min
